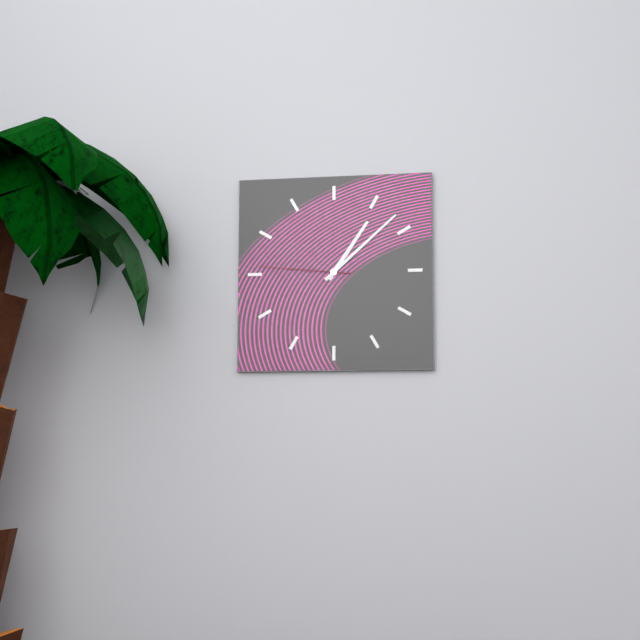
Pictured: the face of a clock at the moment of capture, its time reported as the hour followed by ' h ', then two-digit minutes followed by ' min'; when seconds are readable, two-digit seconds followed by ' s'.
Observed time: 1 h 08 min 46 s
